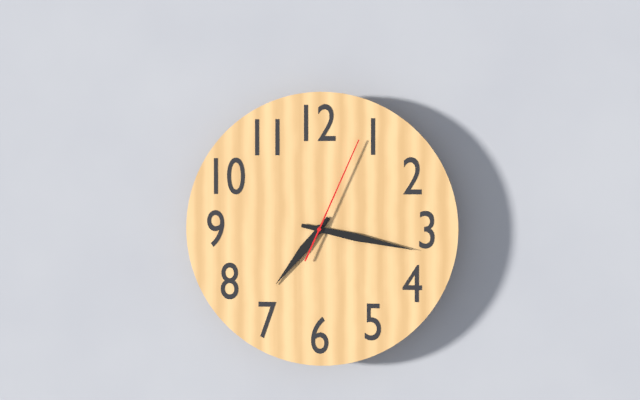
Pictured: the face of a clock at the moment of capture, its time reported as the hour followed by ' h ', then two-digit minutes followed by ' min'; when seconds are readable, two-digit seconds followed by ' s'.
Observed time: 7 h 17 min 04 s
